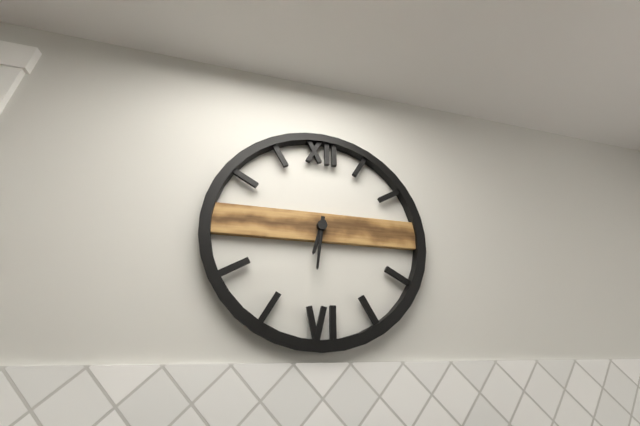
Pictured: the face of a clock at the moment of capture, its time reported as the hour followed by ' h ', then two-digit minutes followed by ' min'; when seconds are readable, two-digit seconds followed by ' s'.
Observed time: 6 h 31 min
